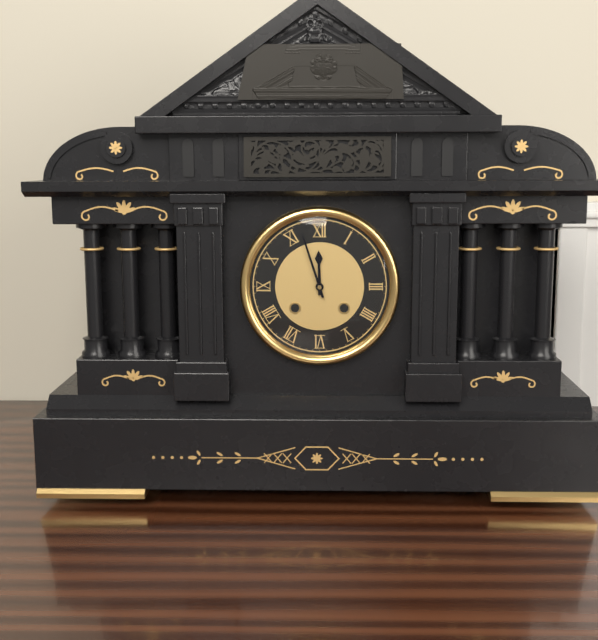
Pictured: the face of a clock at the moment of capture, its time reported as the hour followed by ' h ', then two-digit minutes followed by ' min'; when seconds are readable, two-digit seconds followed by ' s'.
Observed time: 11 h 57 min
